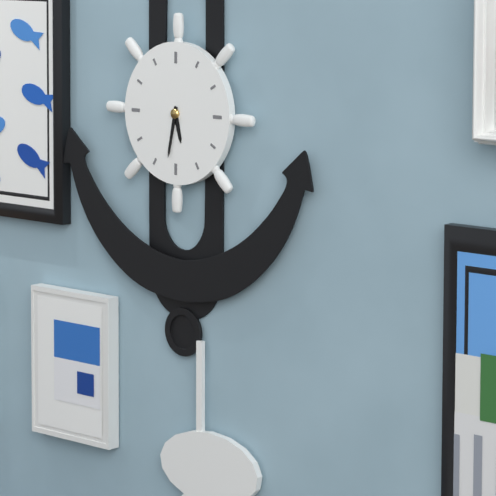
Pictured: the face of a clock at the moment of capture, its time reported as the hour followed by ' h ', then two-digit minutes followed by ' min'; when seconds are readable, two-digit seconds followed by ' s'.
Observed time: 5 h 32 min
